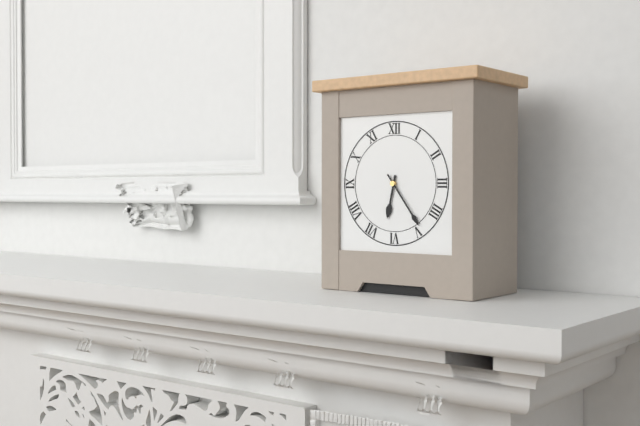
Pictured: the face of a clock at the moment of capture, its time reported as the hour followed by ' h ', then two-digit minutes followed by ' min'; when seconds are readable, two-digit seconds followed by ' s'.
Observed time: 6 h 24 min
